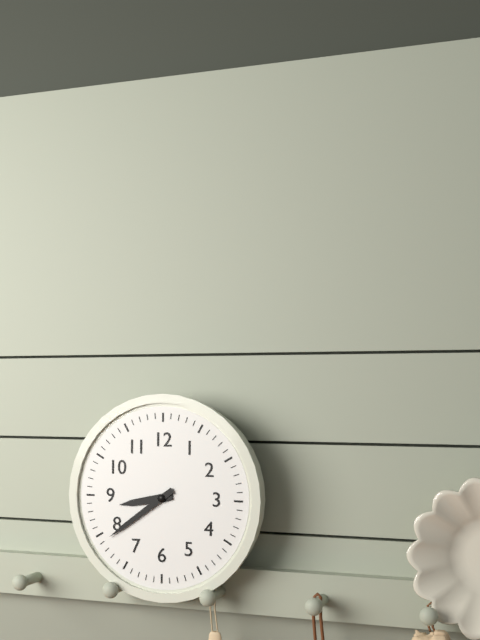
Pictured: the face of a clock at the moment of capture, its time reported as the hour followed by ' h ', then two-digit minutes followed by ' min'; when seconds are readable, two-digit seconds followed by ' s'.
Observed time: 8 h 39 min
